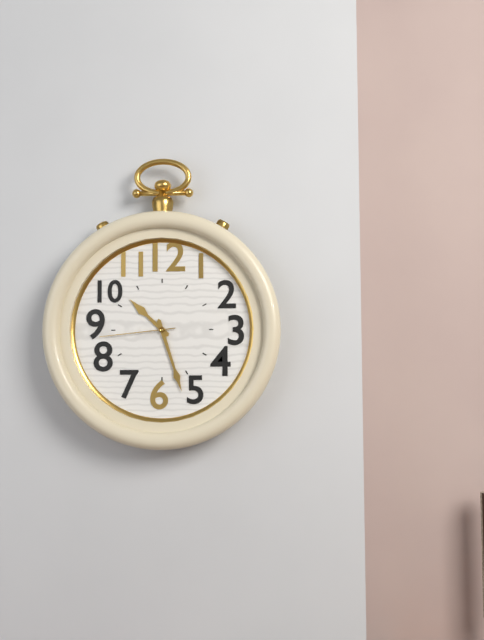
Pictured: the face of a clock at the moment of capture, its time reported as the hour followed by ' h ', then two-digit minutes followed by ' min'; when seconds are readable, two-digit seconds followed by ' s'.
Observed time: 10 h 27 min 44 s
